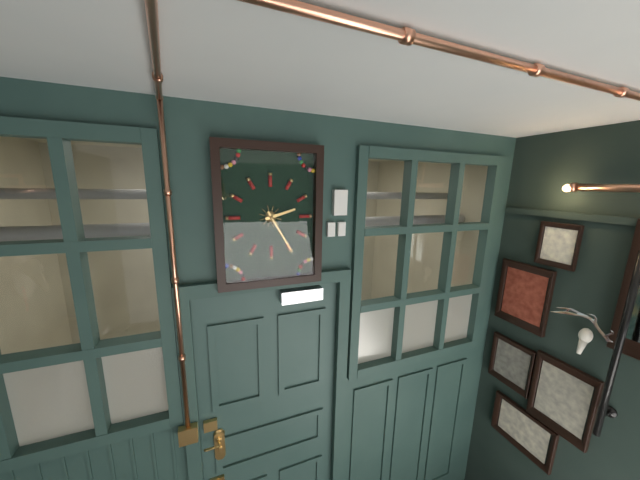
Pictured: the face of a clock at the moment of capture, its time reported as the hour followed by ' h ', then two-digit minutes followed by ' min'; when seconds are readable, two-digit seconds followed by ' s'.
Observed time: 2 h 25 min
